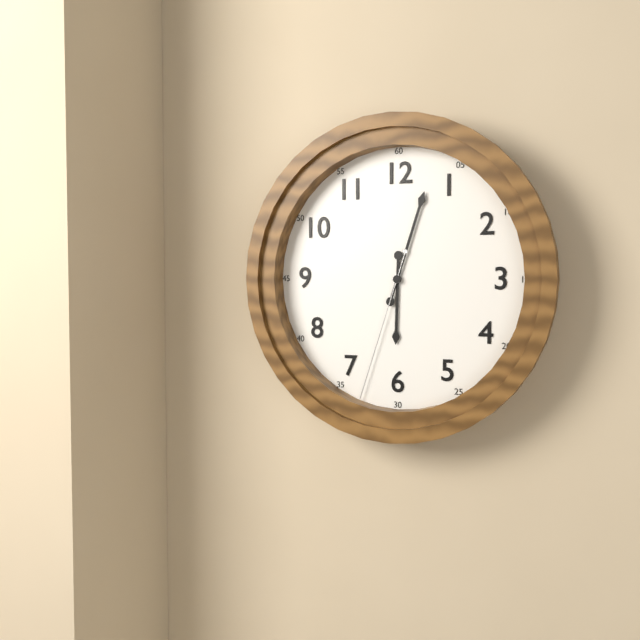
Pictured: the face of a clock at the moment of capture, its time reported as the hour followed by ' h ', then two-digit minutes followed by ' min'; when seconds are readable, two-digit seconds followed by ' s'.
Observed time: 6 h 03 min 33 s
